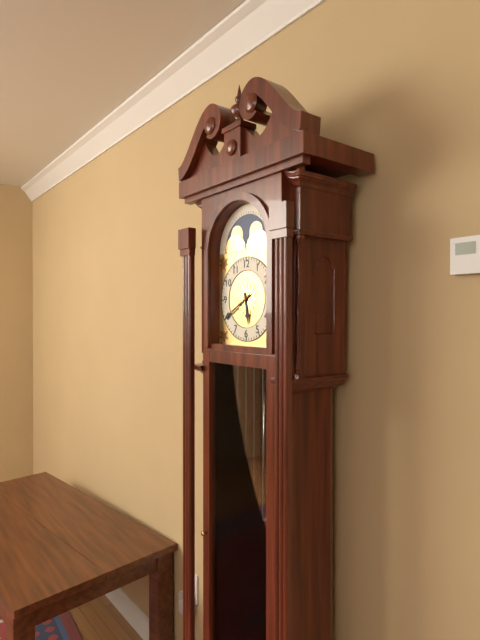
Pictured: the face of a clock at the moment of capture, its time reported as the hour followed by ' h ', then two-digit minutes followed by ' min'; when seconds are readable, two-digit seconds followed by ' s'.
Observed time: 5 h 40 min
